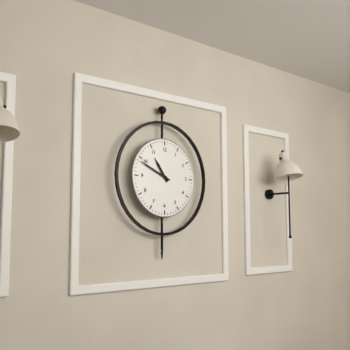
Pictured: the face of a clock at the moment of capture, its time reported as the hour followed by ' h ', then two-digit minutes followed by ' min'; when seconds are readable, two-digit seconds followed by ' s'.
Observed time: 10 h 49 min
